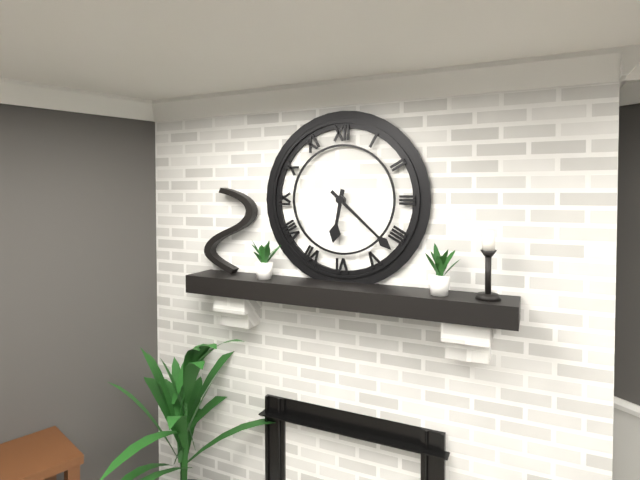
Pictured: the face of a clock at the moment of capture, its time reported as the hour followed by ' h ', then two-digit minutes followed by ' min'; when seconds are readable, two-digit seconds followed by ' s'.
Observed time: 6 h 22 min
